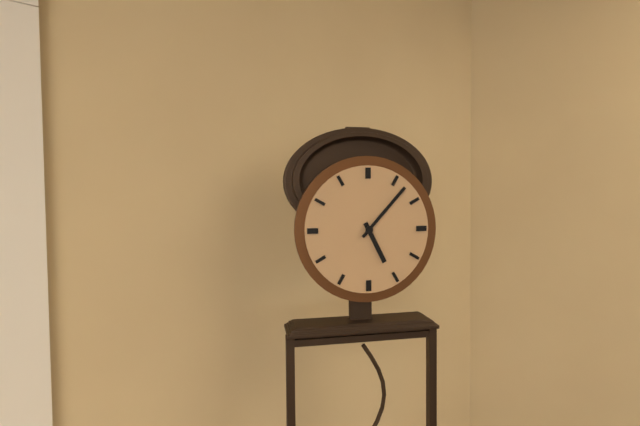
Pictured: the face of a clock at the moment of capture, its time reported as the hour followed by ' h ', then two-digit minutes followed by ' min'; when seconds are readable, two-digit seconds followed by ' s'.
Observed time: 5 h 07 min
